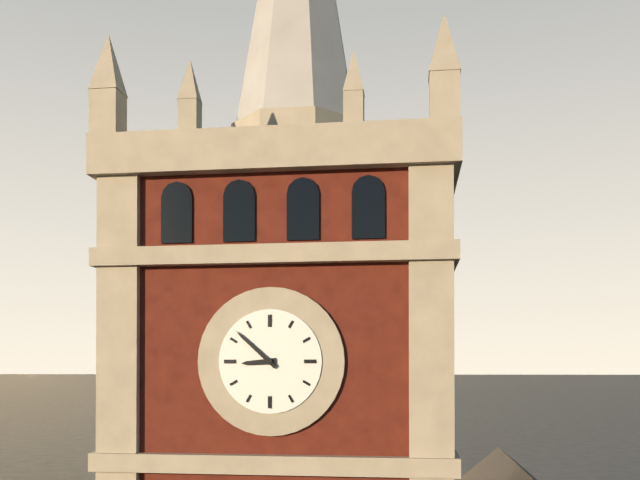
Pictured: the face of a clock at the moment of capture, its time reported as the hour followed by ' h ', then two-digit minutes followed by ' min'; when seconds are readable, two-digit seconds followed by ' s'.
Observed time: 8 h 52 min
